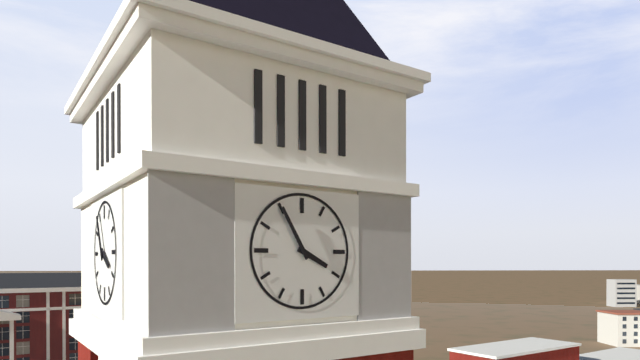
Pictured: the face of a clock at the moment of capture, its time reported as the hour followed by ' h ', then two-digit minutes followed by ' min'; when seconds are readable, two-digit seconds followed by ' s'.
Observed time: 3 h 55 min
